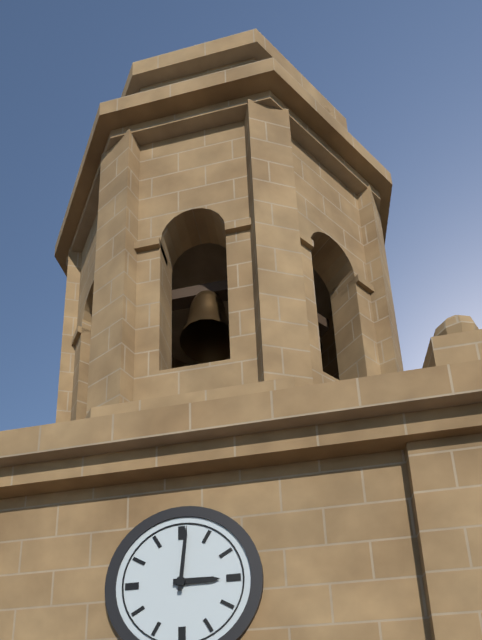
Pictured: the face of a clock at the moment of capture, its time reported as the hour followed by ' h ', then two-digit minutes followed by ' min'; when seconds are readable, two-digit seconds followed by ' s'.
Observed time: 3 h 01 min
